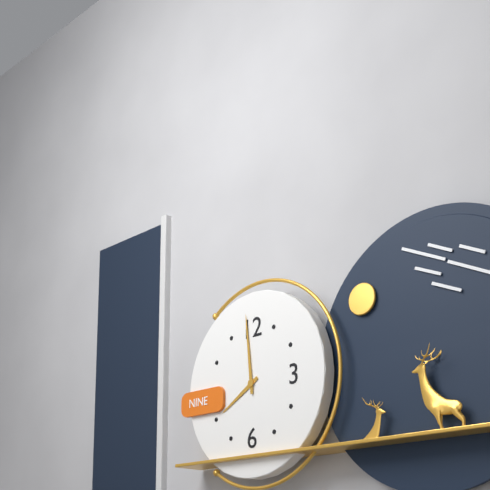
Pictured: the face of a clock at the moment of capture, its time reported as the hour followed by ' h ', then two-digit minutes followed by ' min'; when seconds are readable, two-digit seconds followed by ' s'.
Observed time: 7 h 59 min
